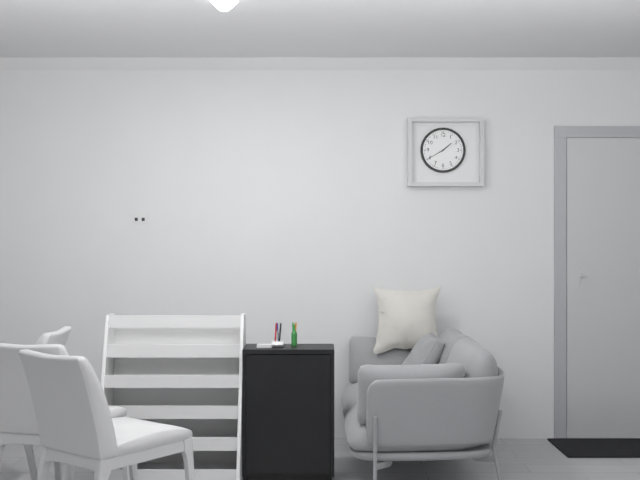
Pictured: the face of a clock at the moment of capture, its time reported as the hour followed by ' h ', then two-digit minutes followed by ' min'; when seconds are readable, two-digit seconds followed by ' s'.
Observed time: 1 h 40 min
